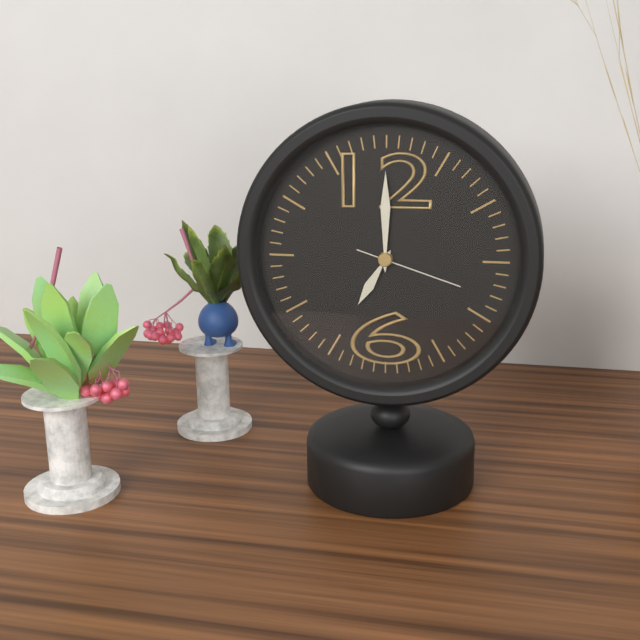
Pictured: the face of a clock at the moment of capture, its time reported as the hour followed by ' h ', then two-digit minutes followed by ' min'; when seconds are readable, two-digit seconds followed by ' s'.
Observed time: 7 h 00 min 18 s
